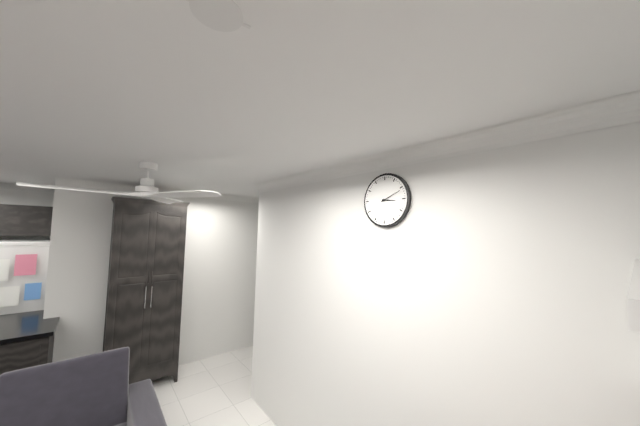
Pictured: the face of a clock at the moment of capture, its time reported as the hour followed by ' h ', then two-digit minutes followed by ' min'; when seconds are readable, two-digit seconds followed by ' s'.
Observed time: 3 h 11 min
